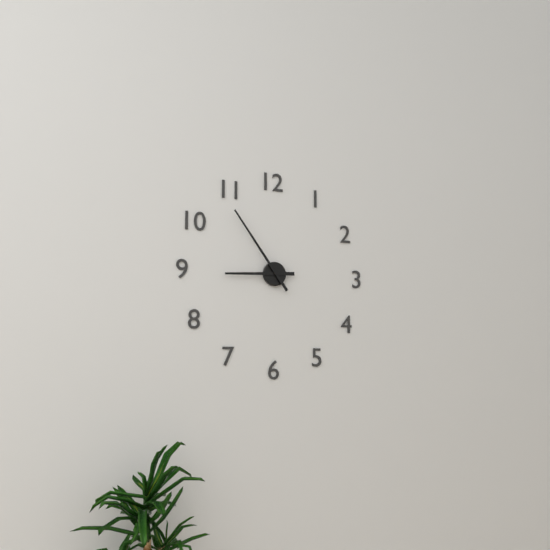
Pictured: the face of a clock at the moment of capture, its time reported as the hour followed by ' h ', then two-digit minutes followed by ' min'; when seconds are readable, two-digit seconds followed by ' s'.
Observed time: 8 h 54 min
